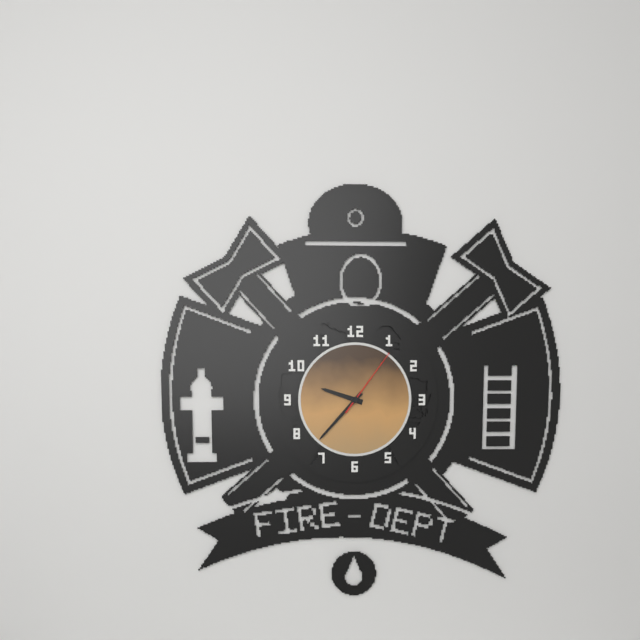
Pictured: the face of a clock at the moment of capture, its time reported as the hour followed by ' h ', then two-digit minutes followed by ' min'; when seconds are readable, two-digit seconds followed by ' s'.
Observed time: 9 h 37 min 06 s
